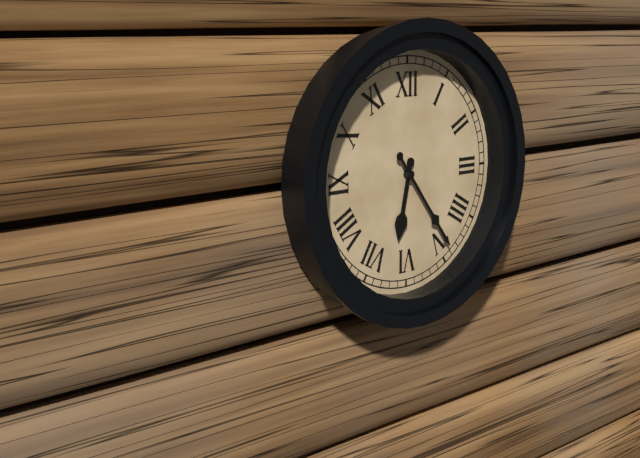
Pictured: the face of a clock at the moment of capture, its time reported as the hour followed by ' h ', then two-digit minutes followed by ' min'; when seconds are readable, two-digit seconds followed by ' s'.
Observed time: 6 h 24 min
